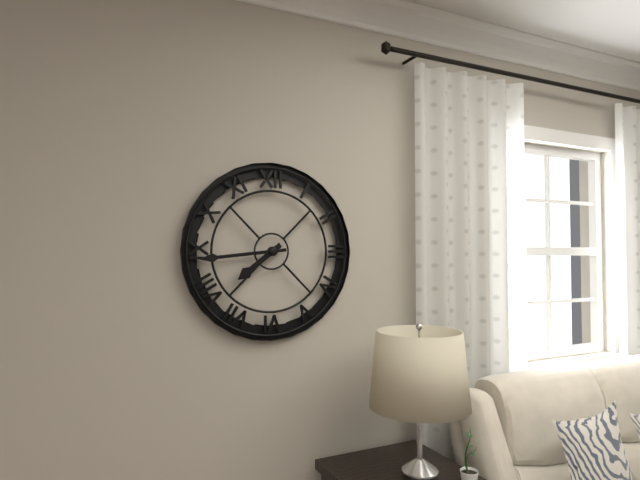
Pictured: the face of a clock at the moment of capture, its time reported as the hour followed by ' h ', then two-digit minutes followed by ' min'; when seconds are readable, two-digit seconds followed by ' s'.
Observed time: 7 h 44 min
